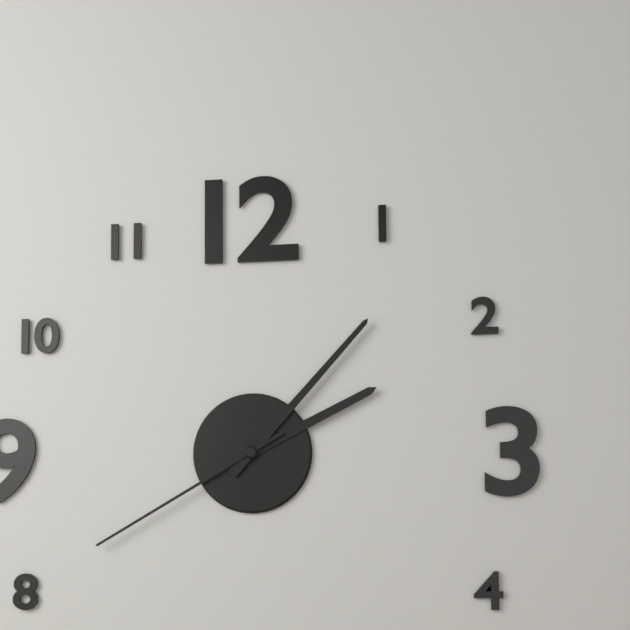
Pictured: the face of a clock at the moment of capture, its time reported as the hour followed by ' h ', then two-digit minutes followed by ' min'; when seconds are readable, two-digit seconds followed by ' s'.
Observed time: 2 h 07 min 40 s
